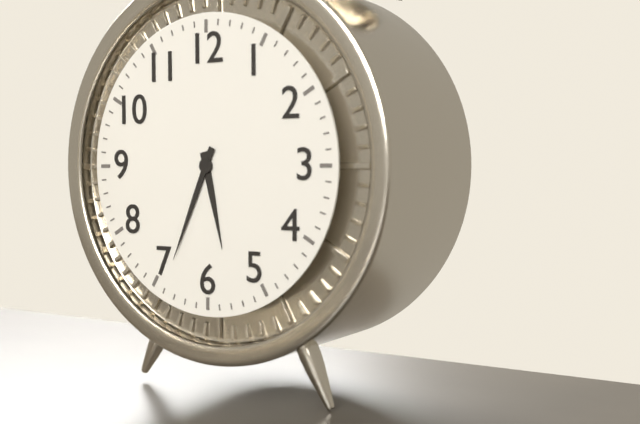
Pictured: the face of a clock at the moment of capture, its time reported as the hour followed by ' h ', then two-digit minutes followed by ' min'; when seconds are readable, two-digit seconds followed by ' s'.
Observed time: 5 h 34 min
